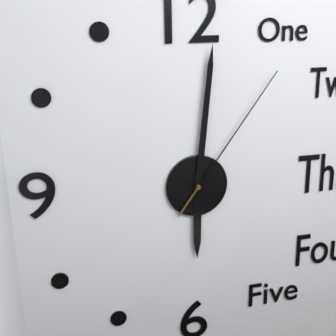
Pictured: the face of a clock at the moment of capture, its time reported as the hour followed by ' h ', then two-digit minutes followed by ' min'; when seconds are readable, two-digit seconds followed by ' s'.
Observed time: 6 h 01 min 06 s
